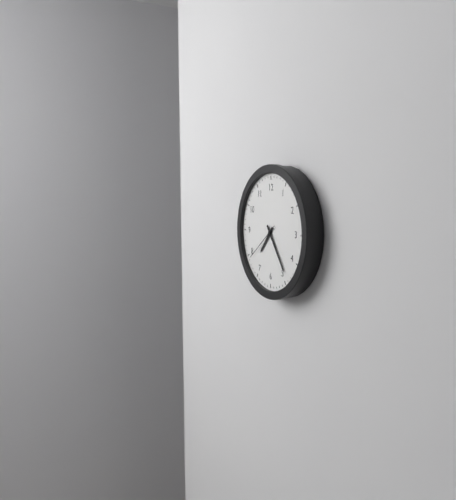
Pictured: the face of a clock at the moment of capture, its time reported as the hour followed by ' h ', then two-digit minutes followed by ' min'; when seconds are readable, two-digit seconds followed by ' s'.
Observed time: 7 h 24 min
